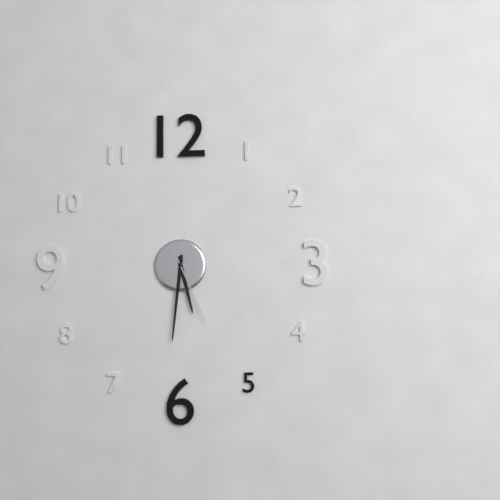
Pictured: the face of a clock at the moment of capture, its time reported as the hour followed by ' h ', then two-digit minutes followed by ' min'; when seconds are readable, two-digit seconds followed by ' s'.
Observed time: 5 h 31 min 26 s
